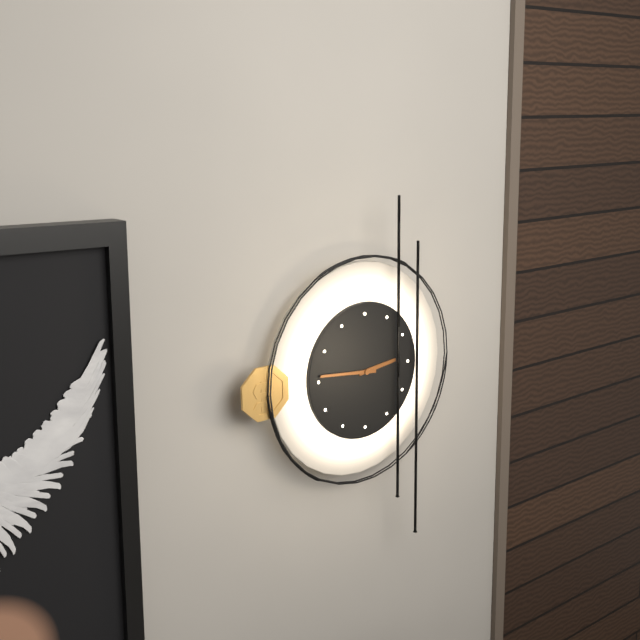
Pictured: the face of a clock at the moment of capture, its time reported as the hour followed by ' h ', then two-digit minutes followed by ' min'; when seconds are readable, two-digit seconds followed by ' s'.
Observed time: 2 h 46 min
